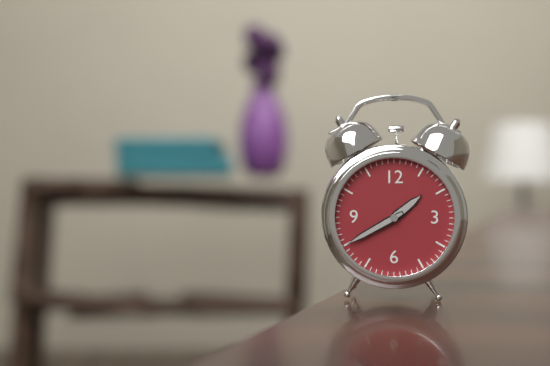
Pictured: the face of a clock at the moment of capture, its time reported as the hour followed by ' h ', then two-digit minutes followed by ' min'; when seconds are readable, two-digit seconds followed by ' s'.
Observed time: 1 h 40 min
